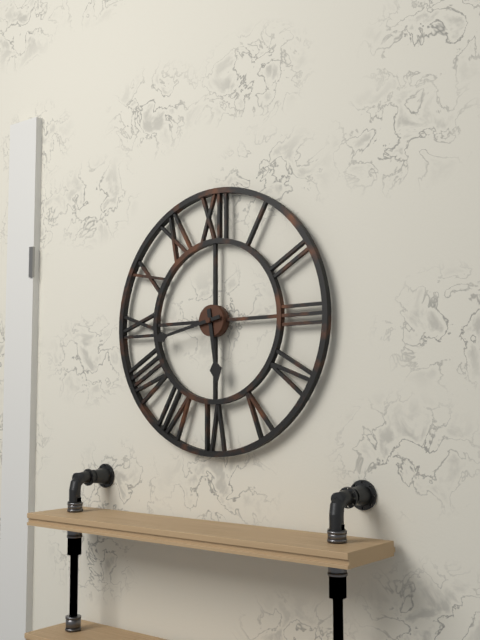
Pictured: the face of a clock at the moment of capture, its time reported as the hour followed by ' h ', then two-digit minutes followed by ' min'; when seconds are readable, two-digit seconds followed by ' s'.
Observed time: 5 h 43 min
